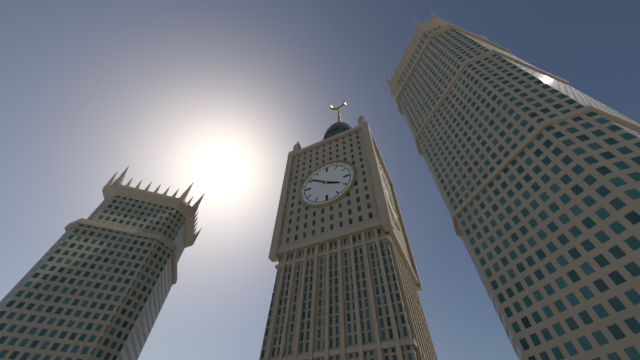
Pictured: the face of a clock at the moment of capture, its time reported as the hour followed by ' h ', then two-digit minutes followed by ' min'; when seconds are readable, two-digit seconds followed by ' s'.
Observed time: 3 h 51 min
